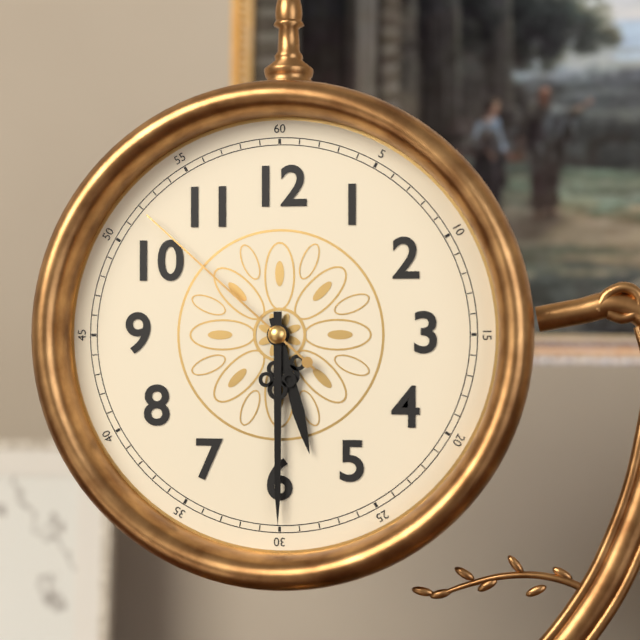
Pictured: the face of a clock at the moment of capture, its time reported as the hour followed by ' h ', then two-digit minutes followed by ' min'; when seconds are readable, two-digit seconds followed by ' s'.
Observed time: 5 h 30 min 52 s
